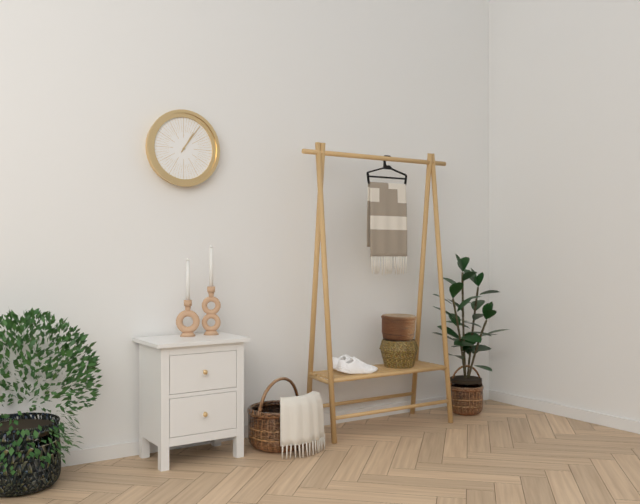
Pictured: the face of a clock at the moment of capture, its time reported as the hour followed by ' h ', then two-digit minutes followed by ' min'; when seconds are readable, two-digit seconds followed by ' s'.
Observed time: 1 h 06 min
